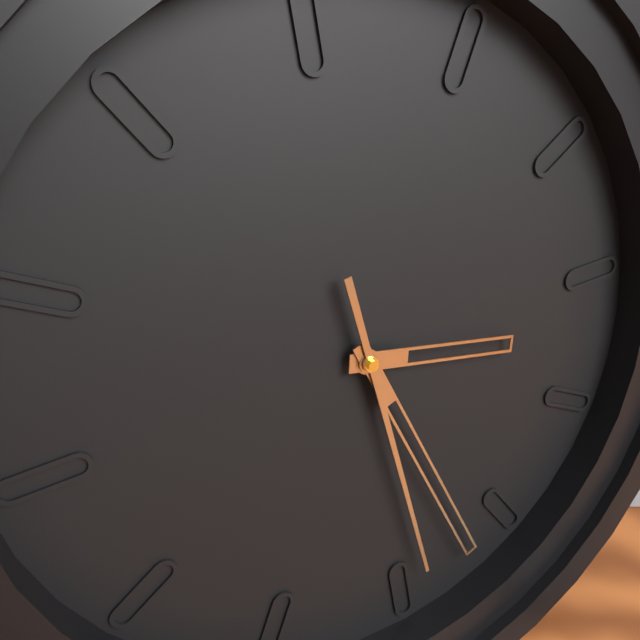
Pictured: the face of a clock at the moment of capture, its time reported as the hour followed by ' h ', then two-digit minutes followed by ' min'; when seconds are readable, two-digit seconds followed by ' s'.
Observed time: 3 h 27 min 29 s
